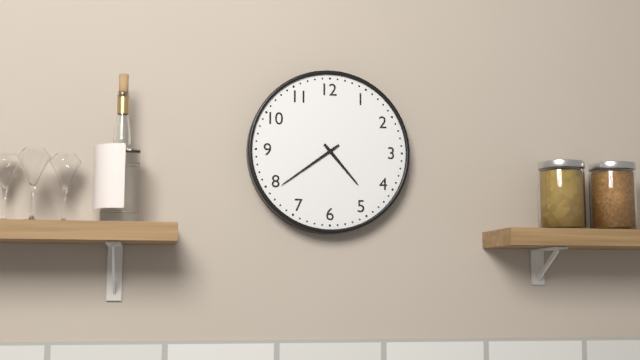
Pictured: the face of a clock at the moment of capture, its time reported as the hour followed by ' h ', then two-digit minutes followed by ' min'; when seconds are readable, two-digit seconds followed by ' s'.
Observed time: 4 h 39 min
